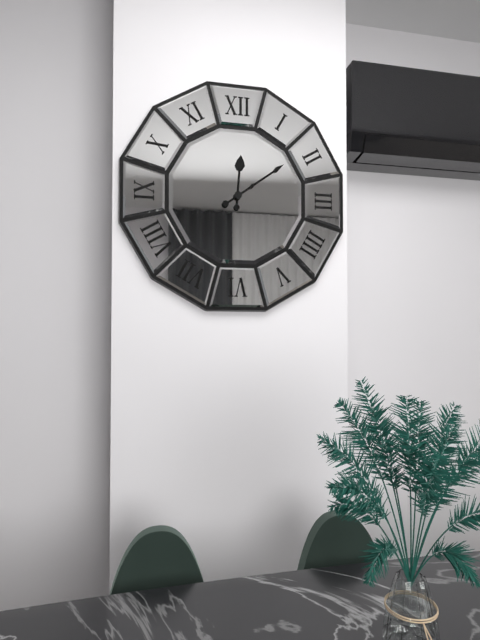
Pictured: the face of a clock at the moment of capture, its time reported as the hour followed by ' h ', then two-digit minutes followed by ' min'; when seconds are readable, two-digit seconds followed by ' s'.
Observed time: 12 h 09 min
